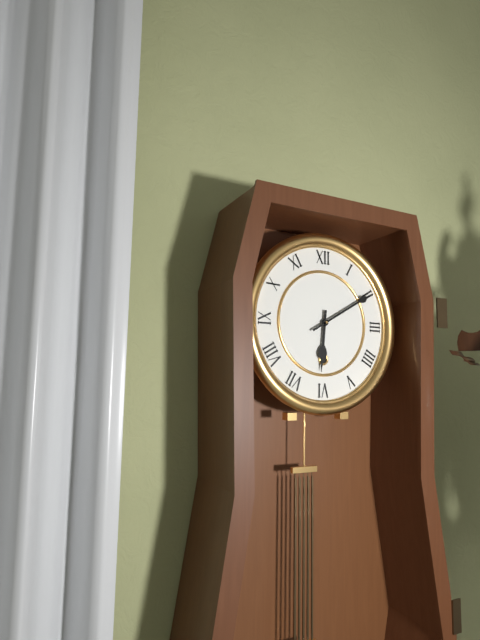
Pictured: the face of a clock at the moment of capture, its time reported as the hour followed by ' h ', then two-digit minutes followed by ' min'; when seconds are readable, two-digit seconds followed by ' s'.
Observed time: 6 h 10 min
